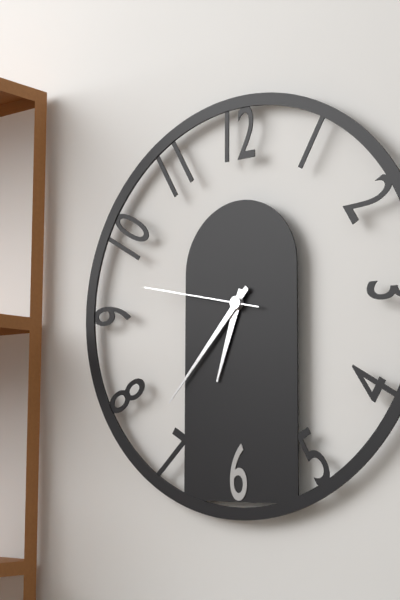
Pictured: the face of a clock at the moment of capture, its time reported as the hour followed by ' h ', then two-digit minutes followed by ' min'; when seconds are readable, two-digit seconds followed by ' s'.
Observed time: 6 h 37 min 47 s
